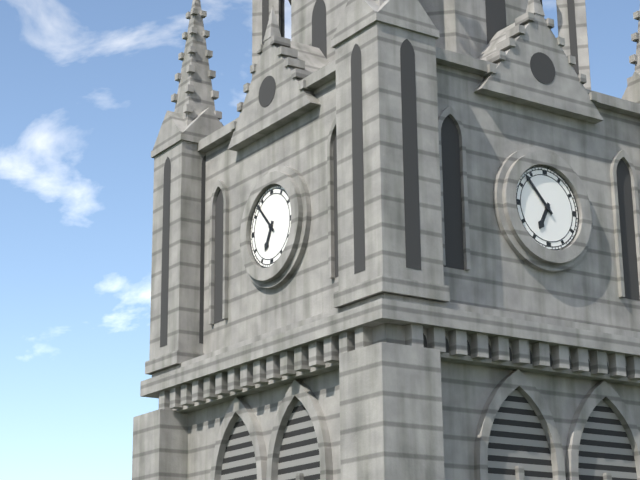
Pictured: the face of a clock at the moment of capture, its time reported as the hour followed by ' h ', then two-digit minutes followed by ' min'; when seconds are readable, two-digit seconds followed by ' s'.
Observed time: 6 h 53 min
